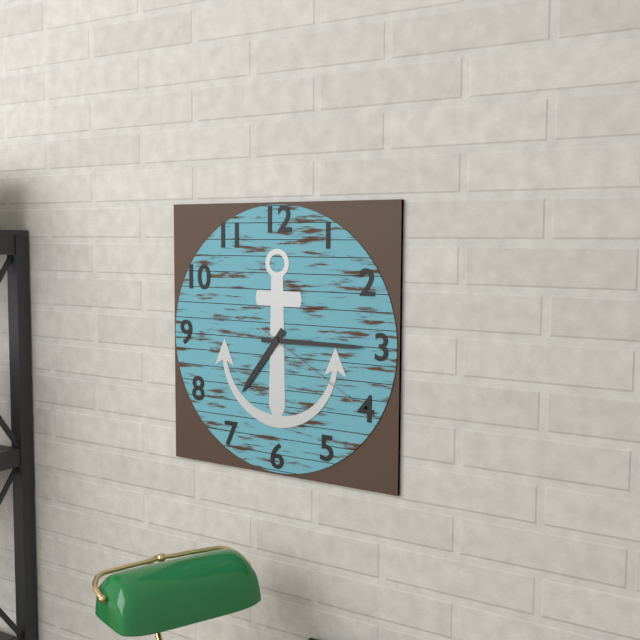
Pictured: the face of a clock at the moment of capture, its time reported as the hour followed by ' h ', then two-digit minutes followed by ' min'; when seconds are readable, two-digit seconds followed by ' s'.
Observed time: 7 h 15 min 20 s
